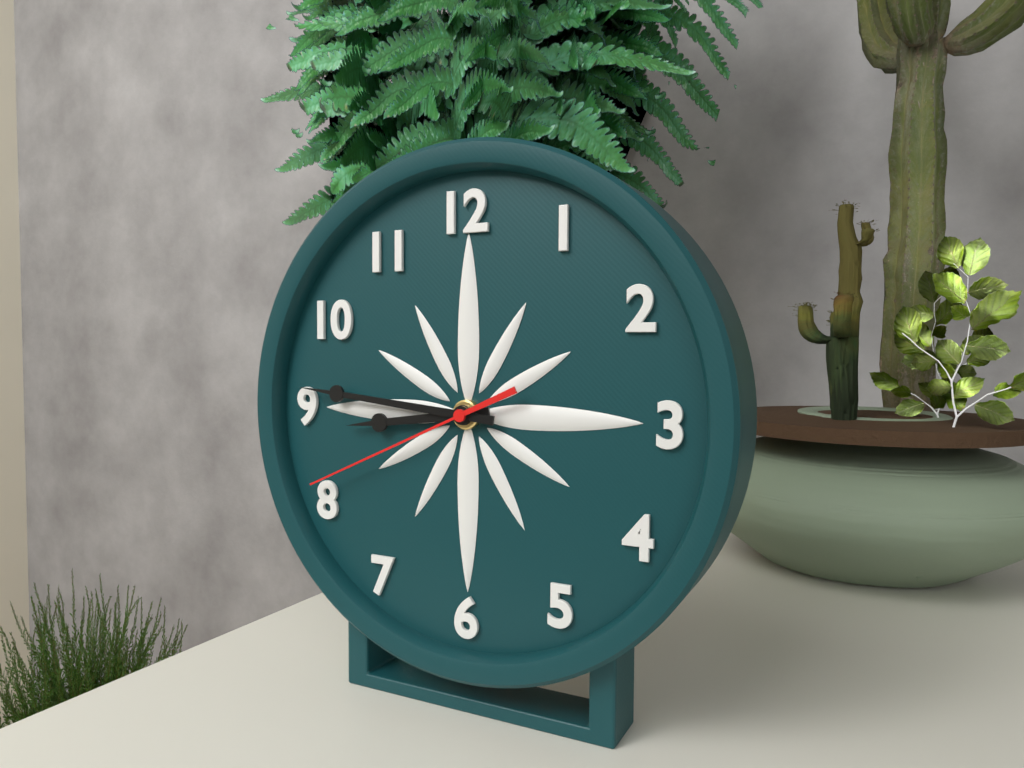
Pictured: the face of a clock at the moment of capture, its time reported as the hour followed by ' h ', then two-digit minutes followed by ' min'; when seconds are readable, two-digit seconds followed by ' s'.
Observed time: 8 h 46 min 41 s
